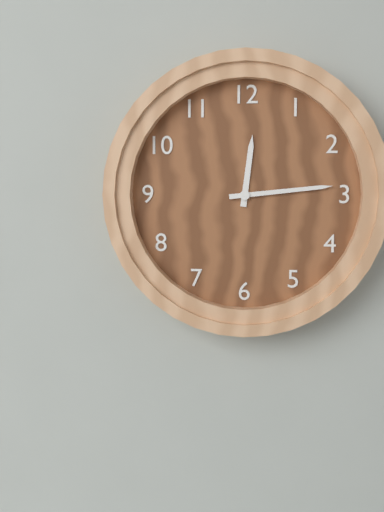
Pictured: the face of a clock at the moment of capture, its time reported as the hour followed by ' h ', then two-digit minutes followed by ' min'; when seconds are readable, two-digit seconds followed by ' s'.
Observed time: 12 h 14 min
